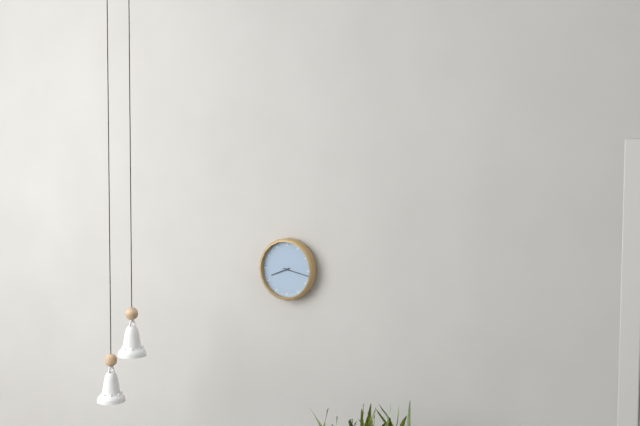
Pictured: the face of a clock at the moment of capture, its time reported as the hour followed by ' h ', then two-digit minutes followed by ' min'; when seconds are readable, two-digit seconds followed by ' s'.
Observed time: 8 h 17 min
